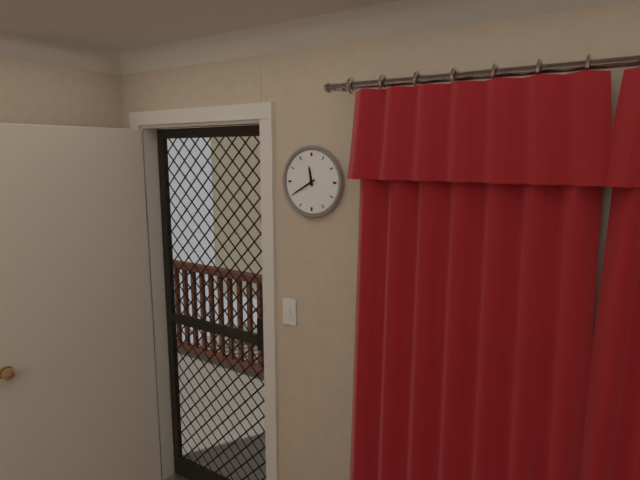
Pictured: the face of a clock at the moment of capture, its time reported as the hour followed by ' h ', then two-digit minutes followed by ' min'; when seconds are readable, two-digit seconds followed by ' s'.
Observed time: 11 h 40 min
